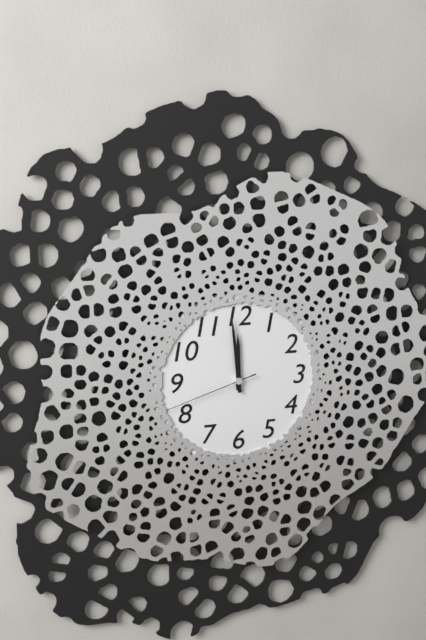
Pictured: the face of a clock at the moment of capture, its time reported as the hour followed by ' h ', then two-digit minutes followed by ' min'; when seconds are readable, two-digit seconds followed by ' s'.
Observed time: 11 h 59 min 42 s
